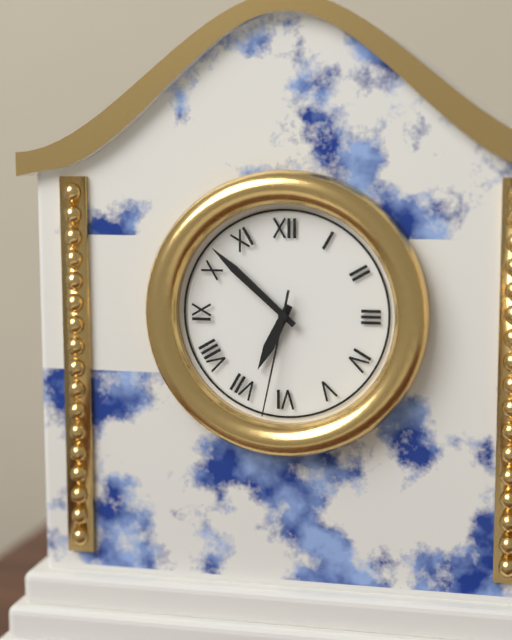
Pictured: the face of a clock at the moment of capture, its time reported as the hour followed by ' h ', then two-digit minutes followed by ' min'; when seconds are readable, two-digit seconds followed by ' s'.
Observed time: 6 h 52 min 32 s
